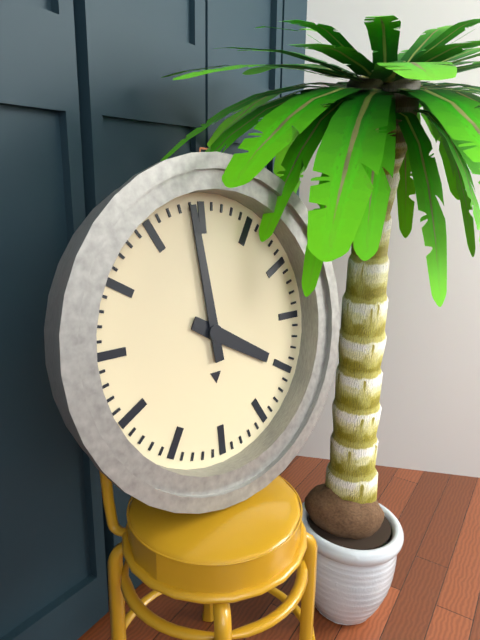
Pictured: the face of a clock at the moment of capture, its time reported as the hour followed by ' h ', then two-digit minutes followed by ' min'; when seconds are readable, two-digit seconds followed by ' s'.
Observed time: 3 h 59 min
